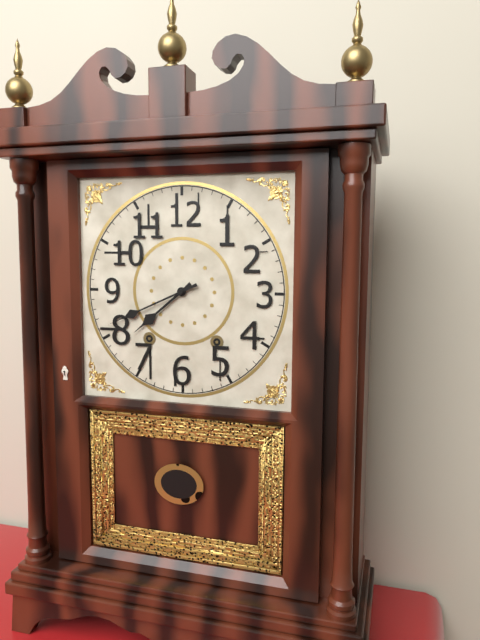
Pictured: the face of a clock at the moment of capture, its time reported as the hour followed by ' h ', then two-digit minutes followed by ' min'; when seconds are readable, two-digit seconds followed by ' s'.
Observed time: 7 h 41 min
